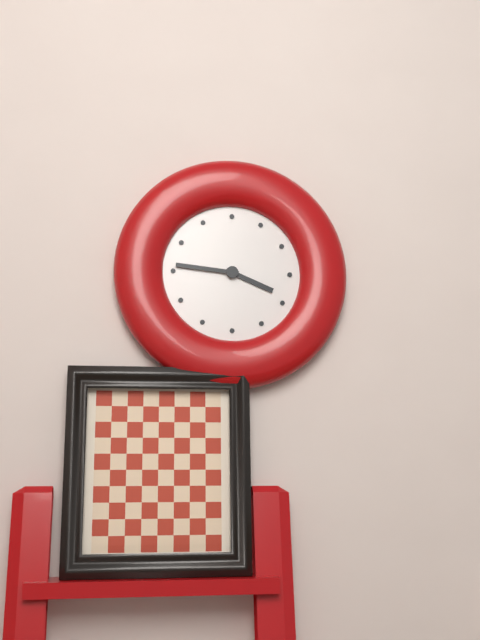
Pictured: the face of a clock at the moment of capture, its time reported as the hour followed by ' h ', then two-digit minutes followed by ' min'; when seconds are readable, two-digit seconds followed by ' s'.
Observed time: 3 h 46 min
